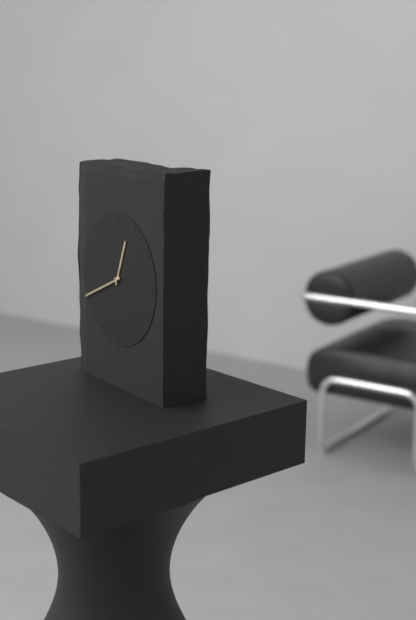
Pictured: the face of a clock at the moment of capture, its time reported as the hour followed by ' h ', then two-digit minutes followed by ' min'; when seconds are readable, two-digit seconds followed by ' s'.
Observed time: 12 h 41 min
